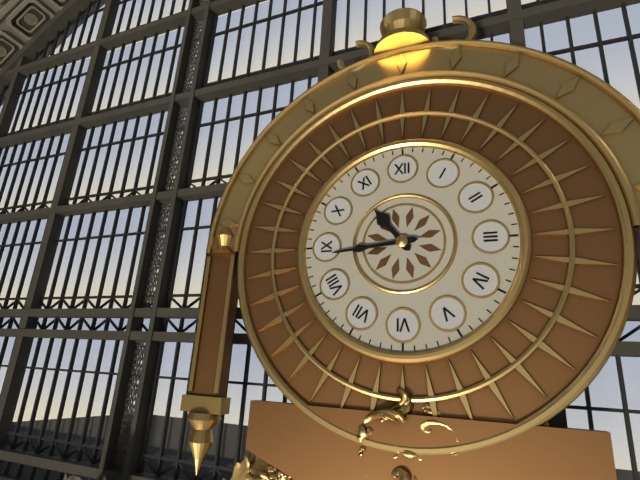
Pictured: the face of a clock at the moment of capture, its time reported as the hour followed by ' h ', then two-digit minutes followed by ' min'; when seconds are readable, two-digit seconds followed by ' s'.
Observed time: 10 h 44 min
